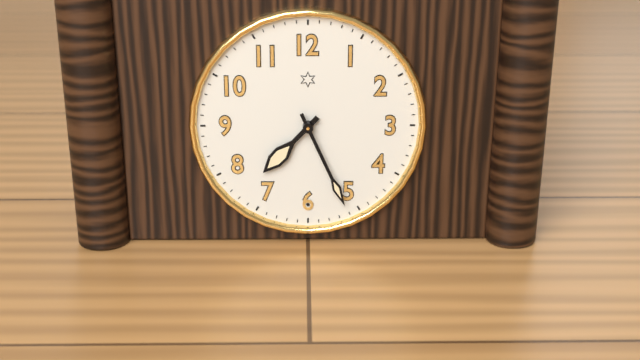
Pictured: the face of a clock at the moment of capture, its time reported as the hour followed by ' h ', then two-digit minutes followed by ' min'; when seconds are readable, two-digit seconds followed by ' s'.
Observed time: 7 h 26 min
